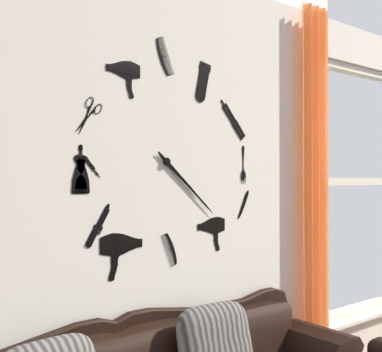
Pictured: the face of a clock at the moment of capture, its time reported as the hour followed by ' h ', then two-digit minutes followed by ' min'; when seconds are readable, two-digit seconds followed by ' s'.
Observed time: 4 h 22 min
